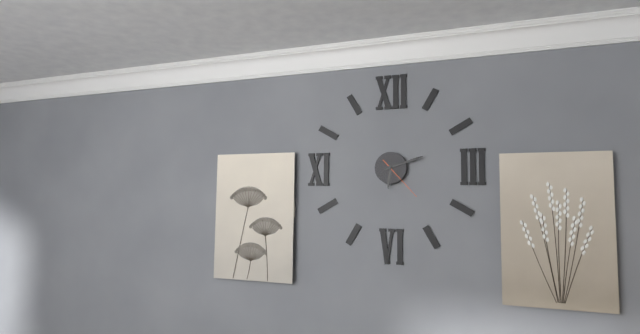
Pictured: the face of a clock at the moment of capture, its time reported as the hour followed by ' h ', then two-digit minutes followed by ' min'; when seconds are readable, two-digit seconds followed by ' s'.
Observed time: 6 h 12 min
